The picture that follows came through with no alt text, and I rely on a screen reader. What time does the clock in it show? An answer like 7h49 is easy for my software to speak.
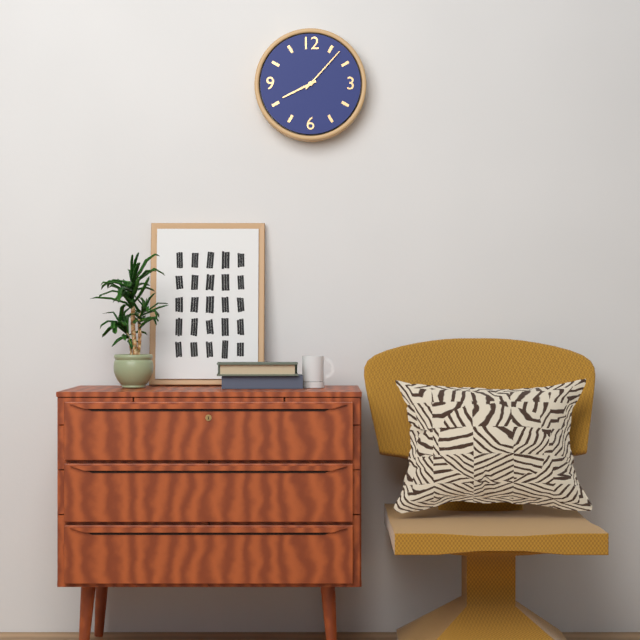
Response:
8h07
